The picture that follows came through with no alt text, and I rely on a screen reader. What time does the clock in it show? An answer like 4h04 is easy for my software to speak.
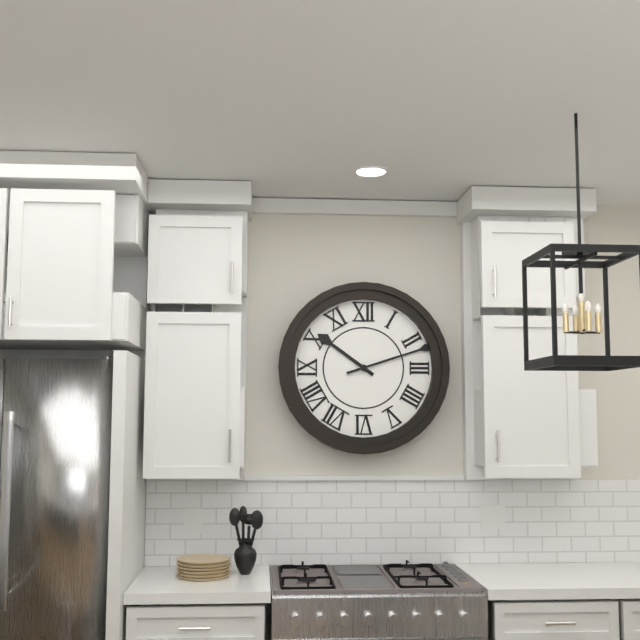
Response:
10h12
